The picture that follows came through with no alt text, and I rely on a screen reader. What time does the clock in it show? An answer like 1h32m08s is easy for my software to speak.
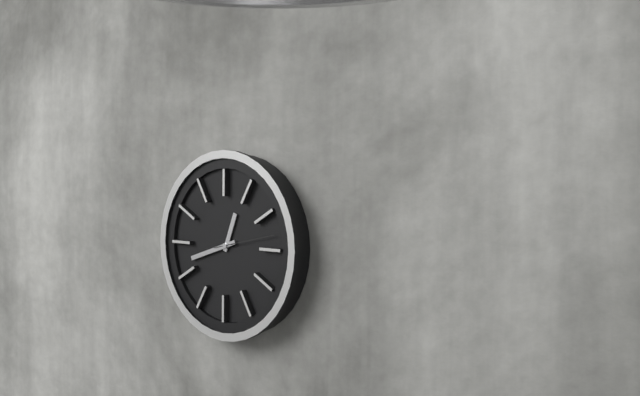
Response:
12h42m13s
